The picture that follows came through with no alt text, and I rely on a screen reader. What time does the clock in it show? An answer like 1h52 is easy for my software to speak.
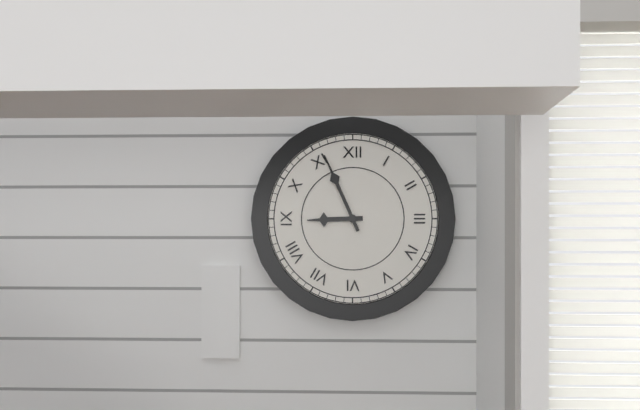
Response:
8h56
